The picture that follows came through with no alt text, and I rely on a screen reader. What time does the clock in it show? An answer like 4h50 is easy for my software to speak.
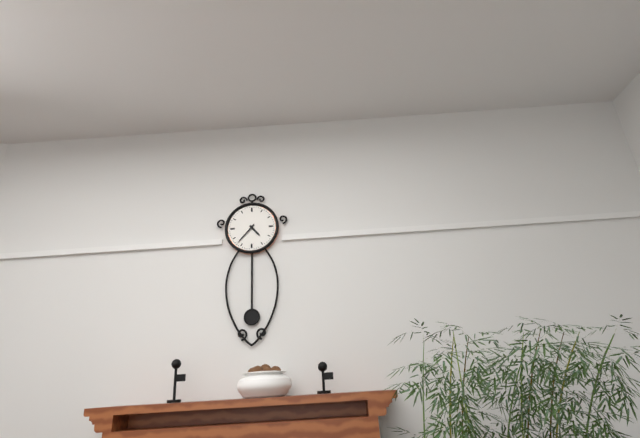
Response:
4h37
